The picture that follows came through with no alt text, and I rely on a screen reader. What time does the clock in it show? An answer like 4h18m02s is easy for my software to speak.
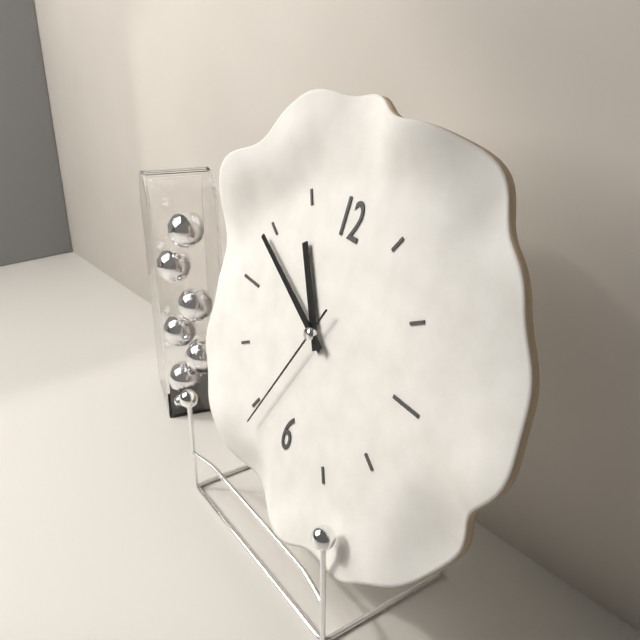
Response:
10h49m34s
